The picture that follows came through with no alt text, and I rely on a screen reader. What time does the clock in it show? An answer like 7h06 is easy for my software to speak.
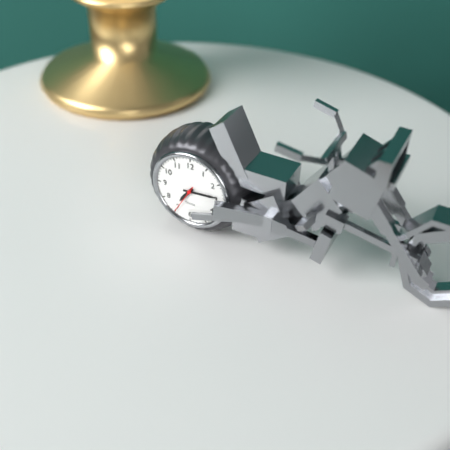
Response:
7h14
